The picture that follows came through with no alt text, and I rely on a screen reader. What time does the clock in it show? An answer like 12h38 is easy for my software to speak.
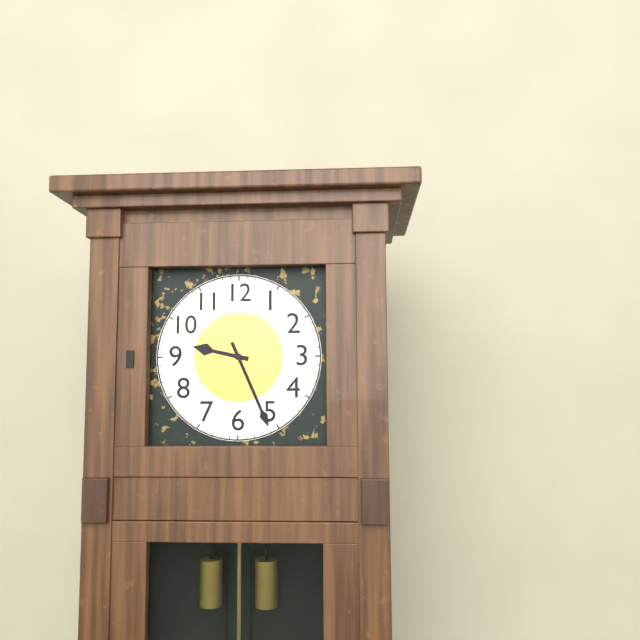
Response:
9h26
